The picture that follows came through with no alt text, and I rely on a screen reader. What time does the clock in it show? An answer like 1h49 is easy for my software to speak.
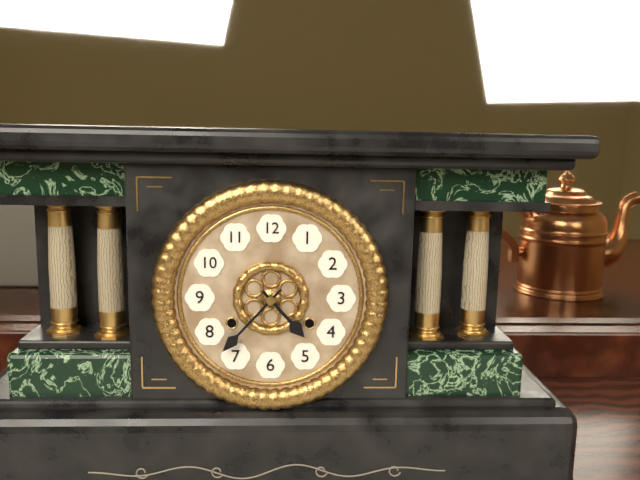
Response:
4h37
